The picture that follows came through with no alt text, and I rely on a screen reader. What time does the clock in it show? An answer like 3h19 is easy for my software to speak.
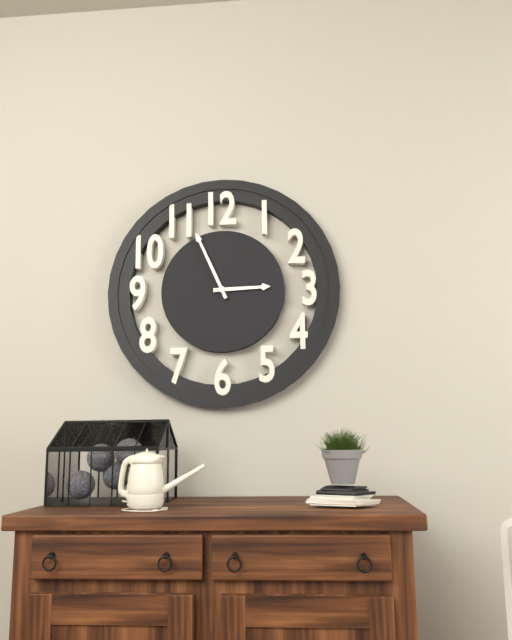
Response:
2h56
